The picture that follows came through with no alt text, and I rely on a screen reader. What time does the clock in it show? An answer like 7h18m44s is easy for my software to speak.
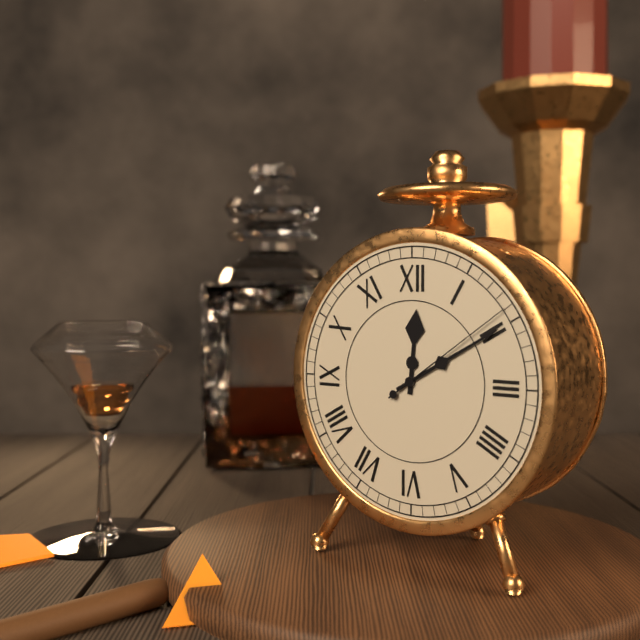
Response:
12h10m09s
